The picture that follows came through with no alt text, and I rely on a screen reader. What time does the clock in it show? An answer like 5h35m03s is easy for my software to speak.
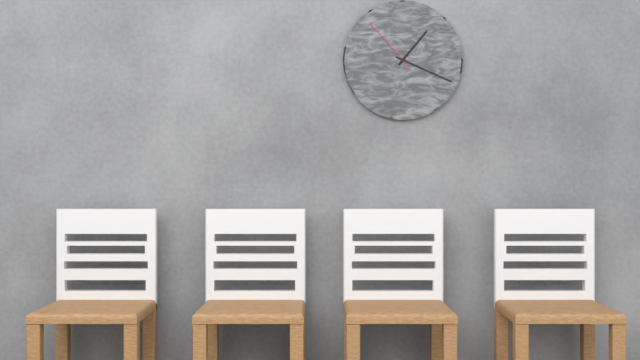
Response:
1h19m53s
